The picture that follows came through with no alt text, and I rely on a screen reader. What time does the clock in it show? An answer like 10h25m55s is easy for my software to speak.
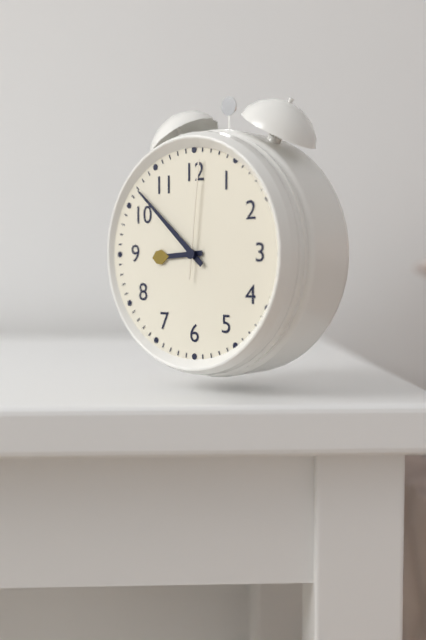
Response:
8h52m01s
